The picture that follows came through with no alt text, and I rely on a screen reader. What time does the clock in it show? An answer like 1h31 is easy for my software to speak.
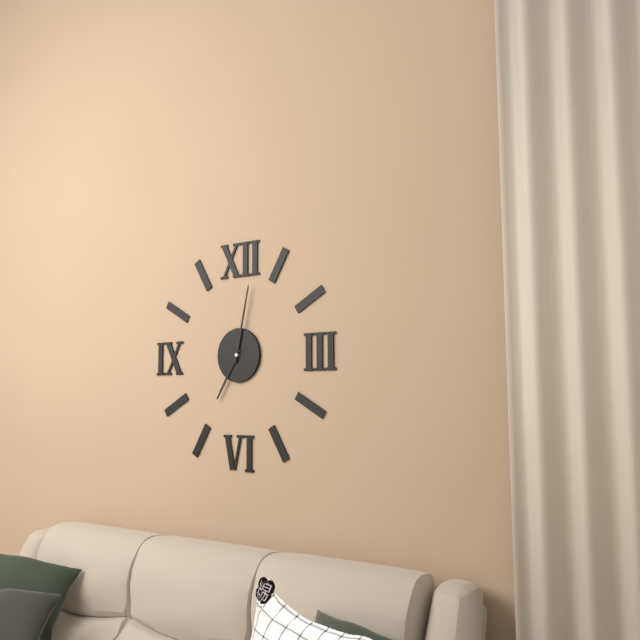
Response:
7h02
